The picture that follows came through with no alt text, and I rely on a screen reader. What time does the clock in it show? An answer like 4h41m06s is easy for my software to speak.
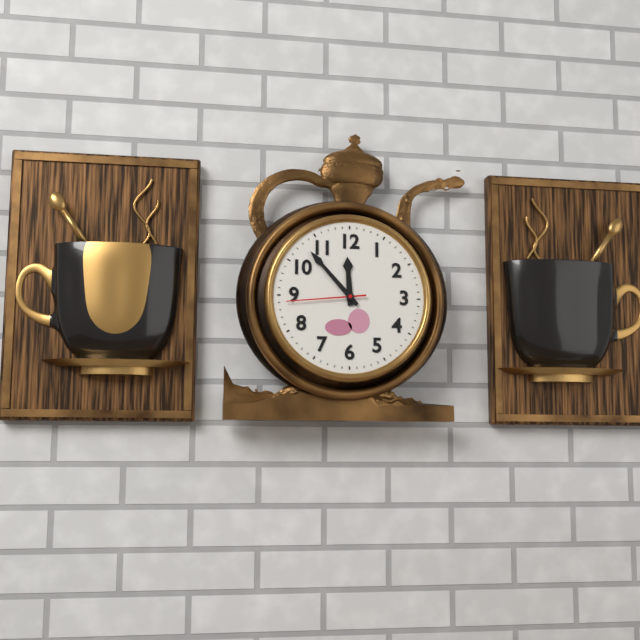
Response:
11h53m44s
